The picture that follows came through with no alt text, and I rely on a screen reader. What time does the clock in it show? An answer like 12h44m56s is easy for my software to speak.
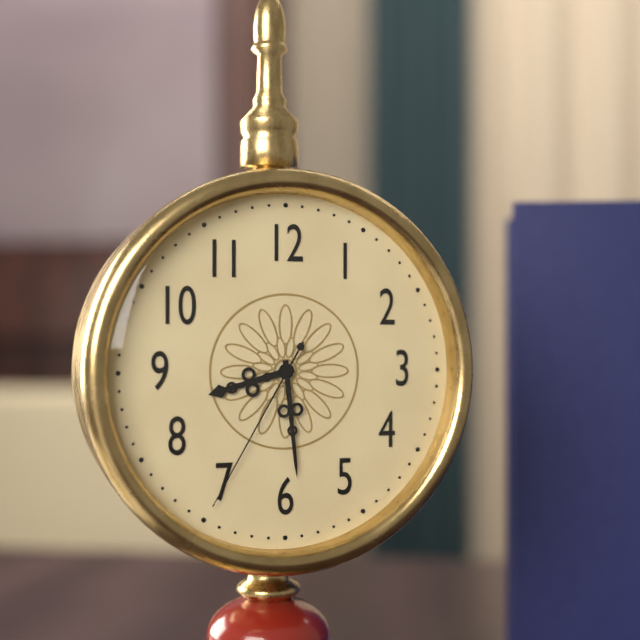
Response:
8h29m35s
